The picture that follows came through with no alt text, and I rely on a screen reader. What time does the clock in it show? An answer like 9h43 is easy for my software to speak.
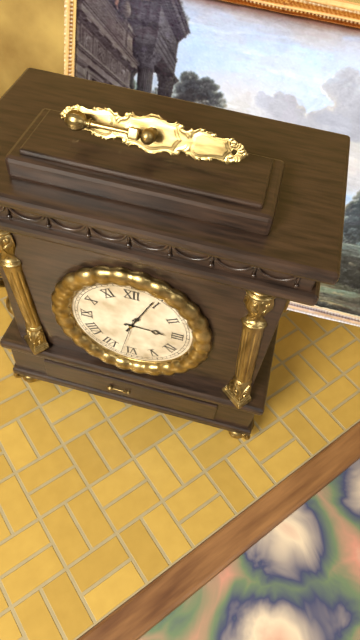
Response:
3h04
